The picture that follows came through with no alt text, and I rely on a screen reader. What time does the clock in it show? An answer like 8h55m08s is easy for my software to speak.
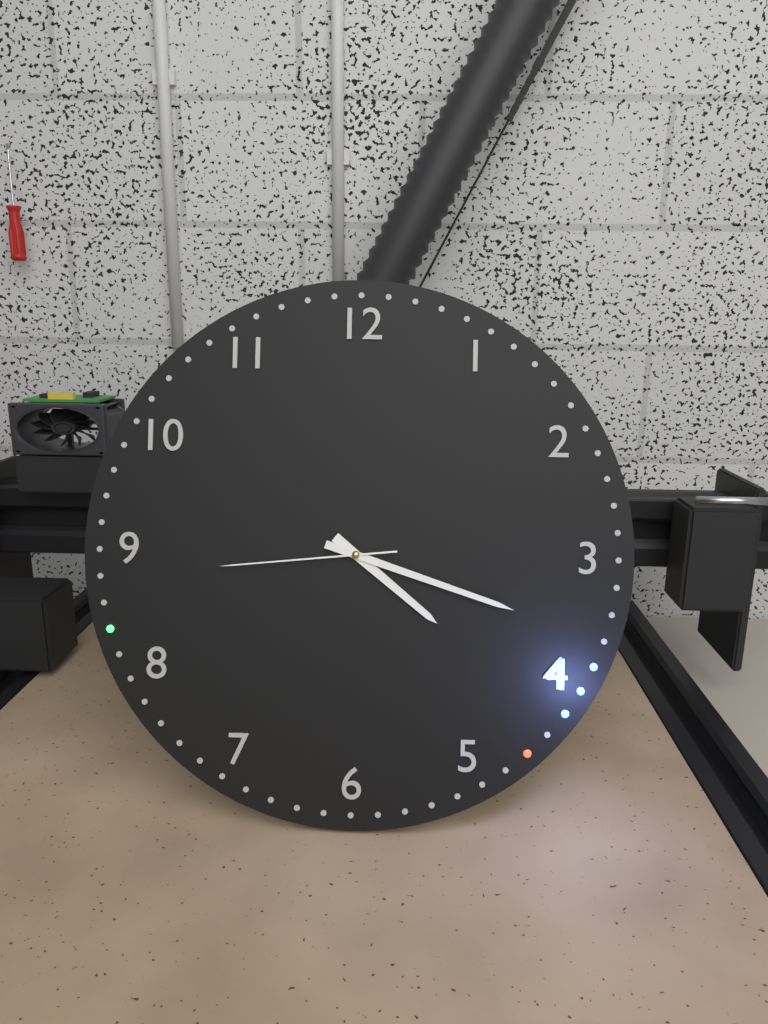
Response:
4h18m44s
